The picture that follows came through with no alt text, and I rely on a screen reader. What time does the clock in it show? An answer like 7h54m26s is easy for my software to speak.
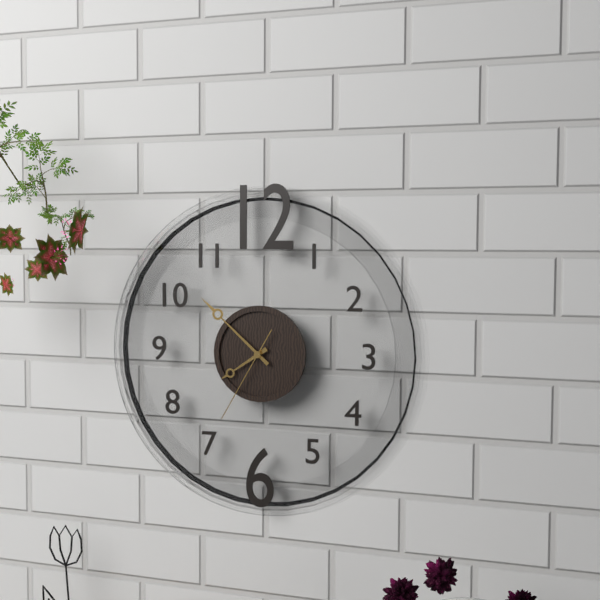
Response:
7h52m35s
